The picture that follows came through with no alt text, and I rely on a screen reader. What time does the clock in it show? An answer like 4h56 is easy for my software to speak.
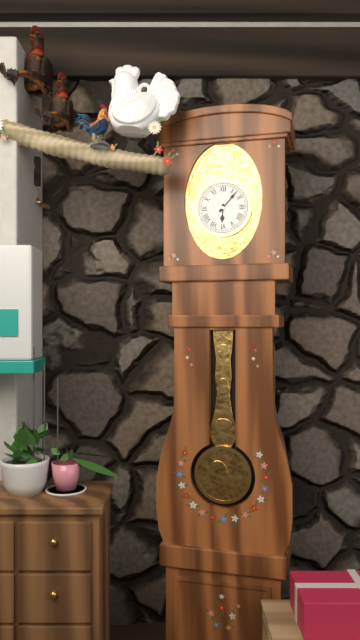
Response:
6h07
